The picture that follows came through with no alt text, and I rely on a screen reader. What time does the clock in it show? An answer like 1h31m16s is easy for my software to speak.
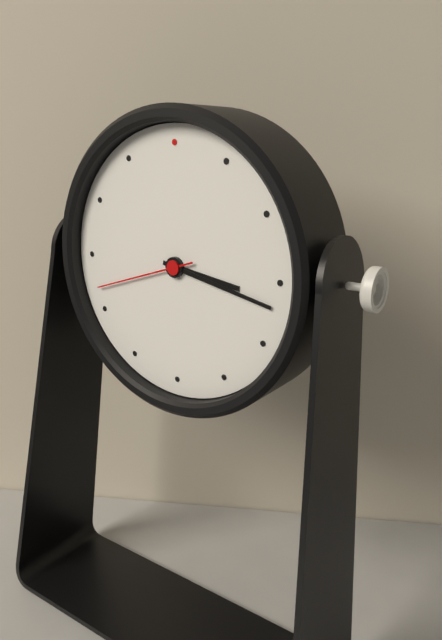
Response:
3h17m42s
